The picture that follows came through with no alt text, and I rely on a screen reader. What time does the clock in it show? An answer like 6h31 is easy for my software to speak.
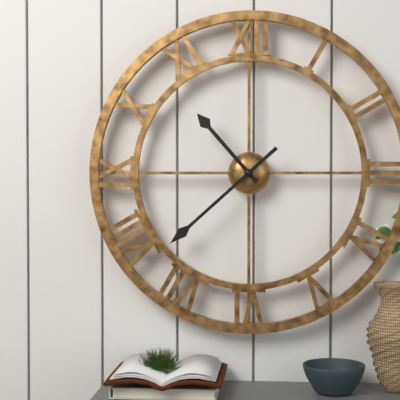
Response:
10h38
